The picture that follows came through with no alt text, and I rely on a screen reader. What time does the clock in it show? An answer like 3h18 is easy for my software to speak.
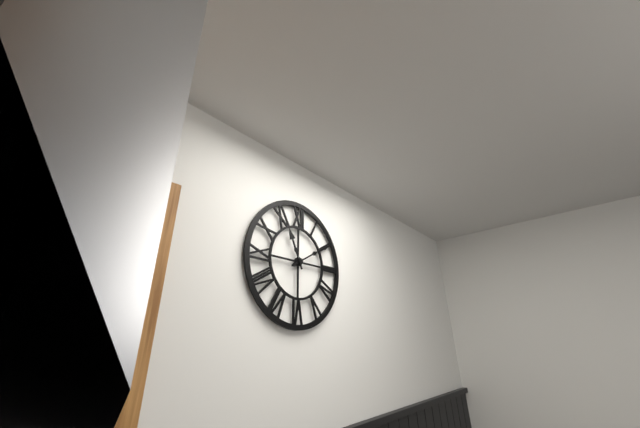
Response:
11h10
